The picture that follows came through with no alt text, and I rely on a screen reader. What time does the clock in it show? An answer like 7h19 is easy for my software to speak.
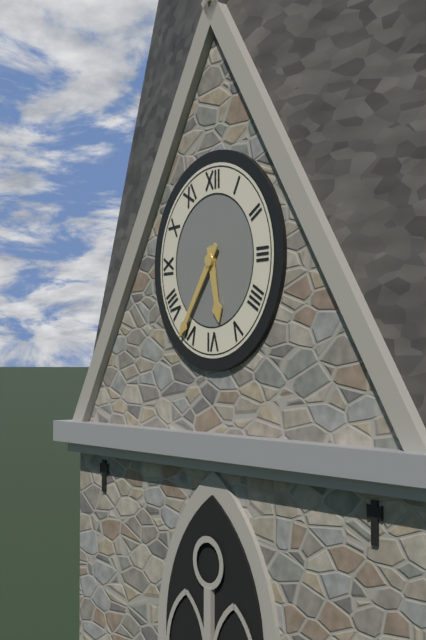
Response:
5h36
